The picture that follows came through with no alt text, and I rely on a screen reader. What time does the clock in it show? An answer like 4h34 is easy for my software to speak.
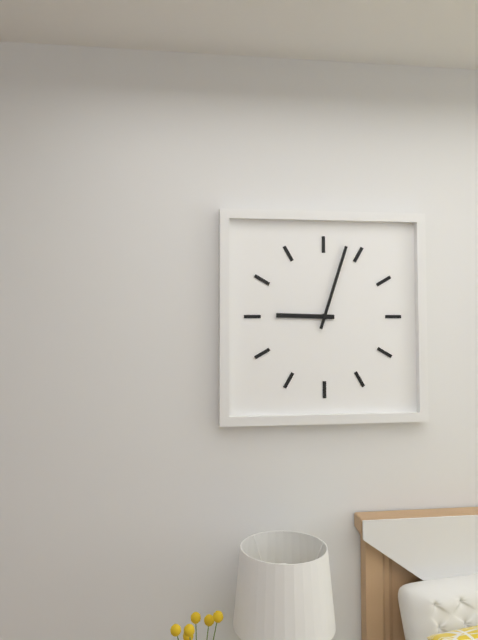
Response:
9h03
